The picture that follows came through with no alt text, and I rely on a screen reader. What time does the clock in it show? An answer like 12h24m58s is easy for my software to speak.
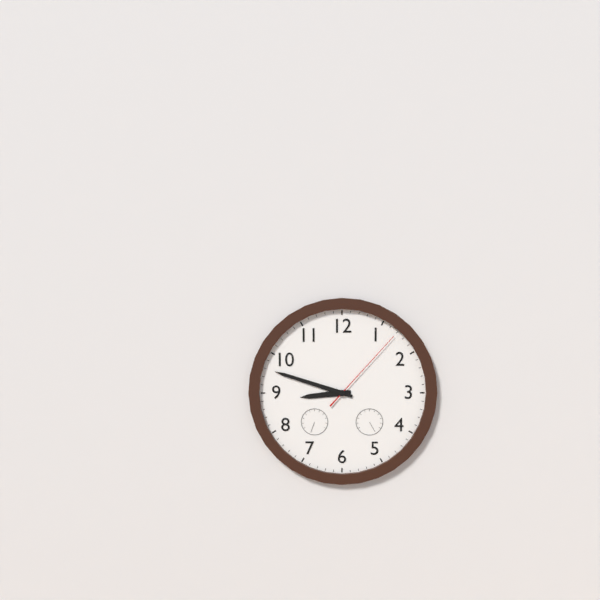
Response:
8h48m07s
